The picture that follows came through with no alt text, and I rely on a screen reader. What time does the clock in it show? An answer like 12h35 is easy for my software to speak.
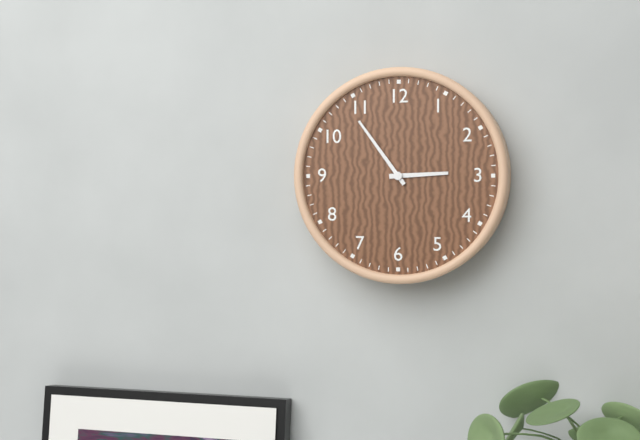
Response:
2h54
